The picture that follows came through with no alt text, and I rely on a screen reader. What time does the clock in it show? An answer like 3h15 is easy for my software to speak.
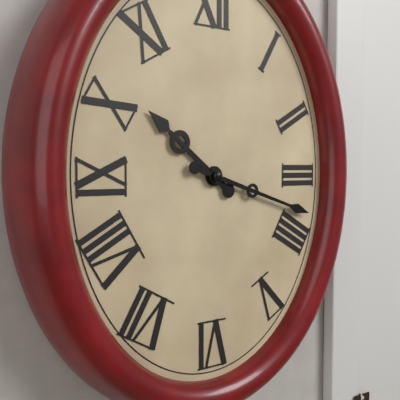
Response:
10h18
